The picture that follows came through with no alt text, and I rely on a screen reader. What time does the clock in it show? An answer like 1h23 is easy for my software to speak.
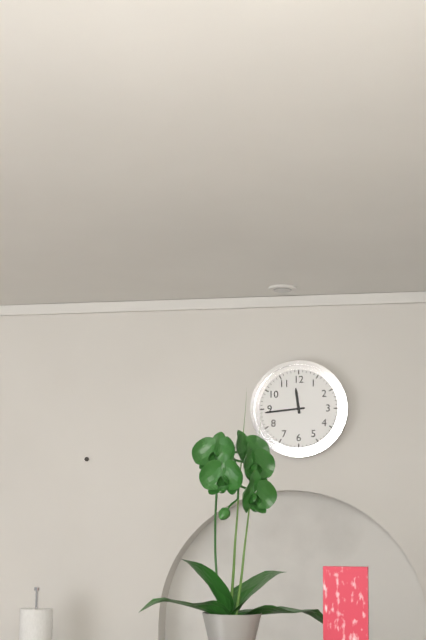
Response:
11h44
